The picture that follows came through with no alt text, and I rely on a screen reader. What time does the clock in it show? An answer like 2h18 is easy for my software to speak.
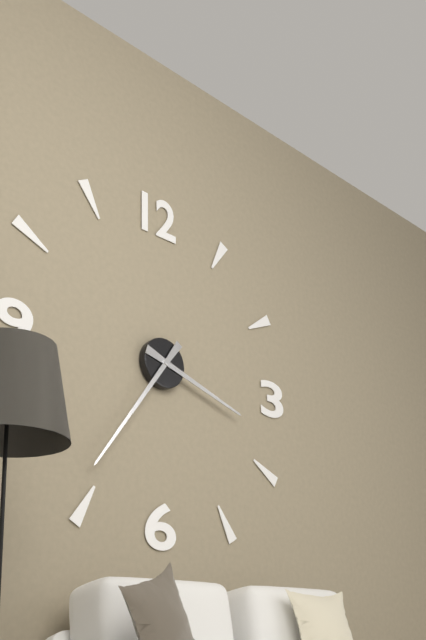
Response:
3h36
